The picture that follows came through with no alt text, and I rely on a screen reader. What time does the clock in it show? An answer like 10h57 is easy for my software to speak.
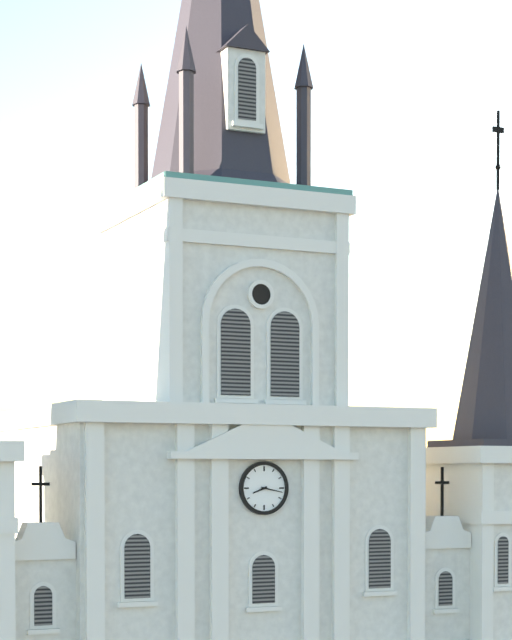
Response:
8h17
